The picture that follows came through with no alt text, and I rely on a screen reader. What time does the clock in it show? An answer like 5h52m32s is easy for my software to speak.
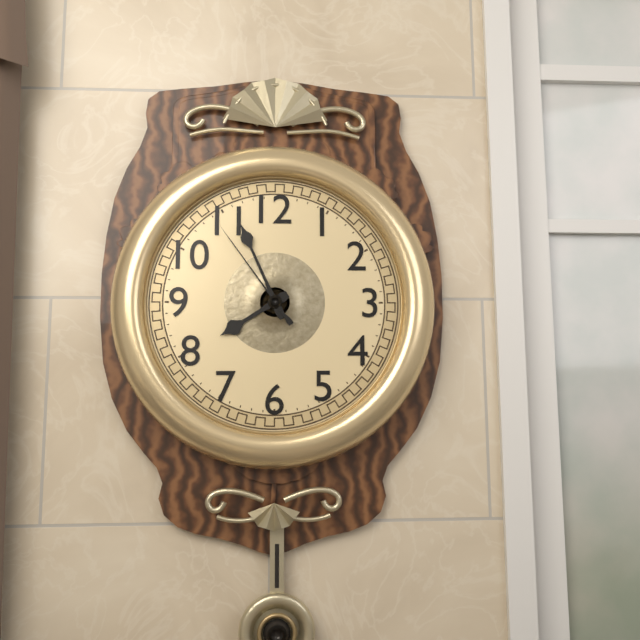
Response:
7h56m54s
